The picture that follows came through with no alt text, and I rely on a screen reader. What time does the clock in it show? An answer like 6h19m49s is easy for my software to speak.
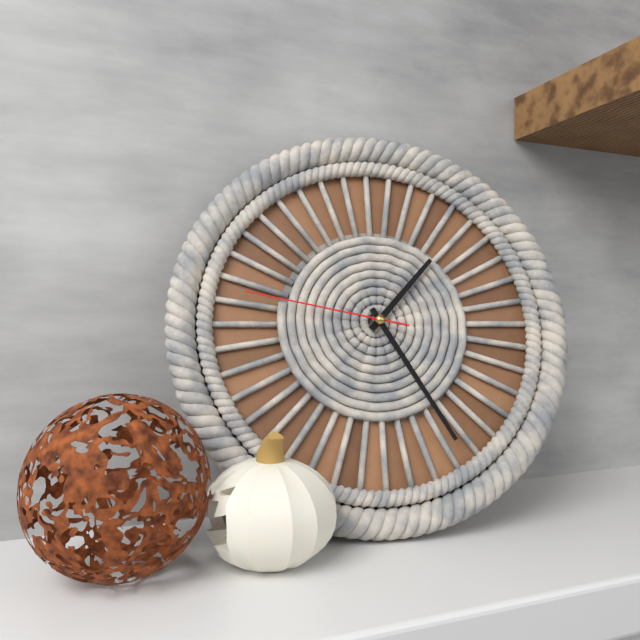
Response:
1h25m47s
